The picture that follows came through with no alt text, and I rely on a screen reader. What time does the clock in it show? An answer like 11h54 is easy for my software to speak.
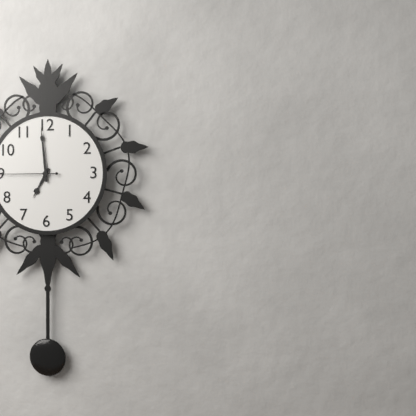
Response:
6h59
